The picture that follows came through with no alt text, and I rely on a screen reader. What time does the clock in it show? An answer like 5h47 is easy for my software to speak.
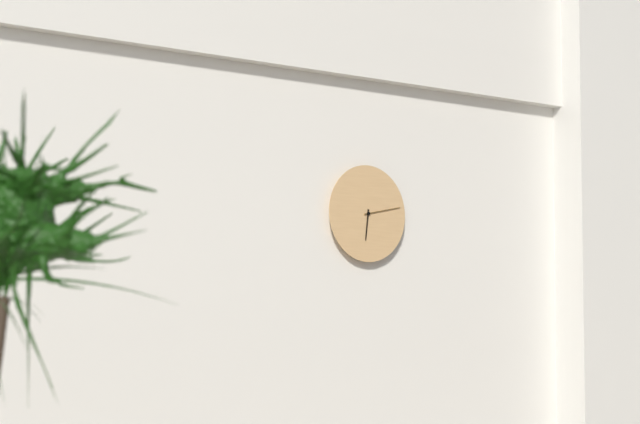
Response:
6h13
